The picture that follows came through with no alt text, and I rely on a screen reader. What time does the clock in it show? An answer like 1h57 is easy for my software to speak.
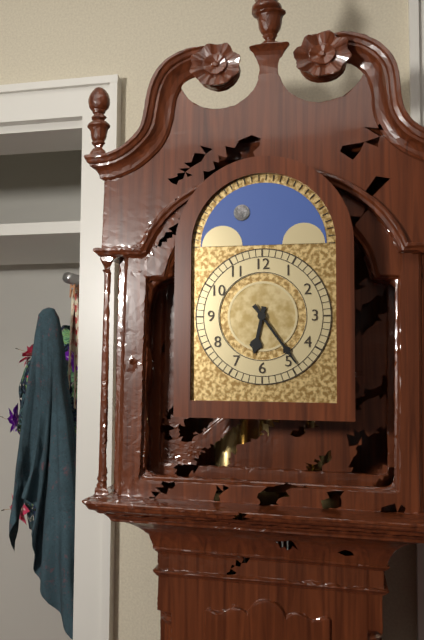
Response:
6h24
